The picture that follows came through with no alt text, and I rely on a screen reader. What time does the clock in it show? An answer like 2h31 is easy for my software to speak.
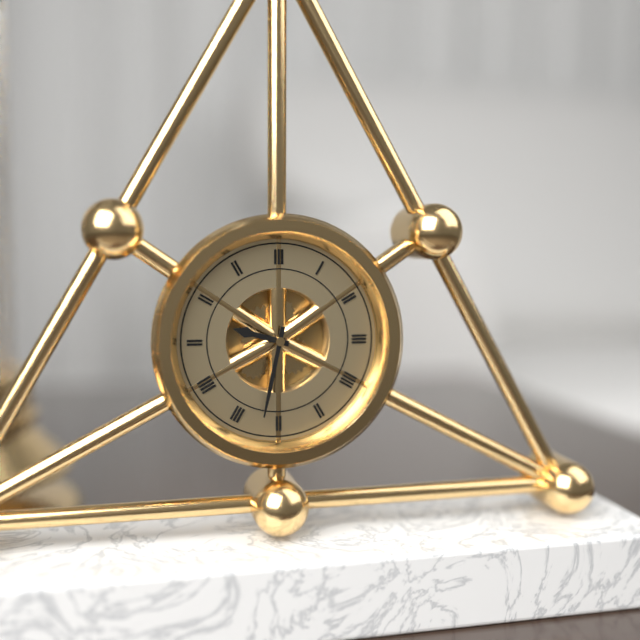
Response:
9h32
